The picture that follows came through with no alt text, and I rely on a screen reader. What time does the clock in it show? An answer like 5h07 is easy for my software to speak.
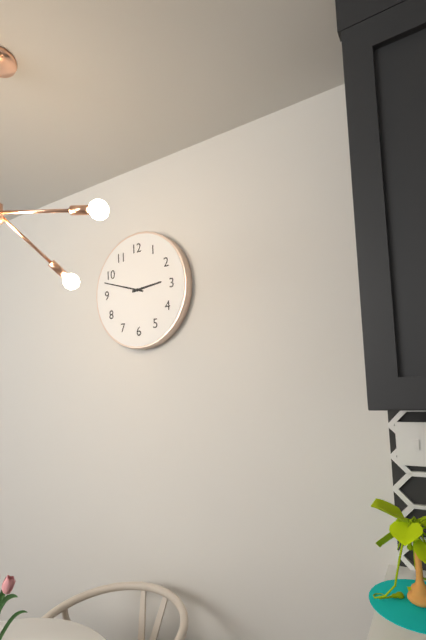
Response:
2h48
